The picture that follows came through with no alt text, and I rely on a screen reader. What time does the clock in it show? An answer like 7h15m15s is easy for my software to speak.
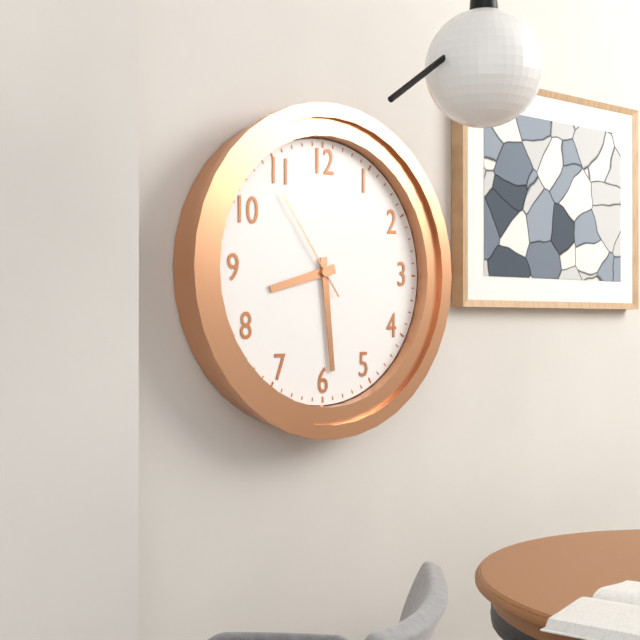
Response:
8h29m54s
